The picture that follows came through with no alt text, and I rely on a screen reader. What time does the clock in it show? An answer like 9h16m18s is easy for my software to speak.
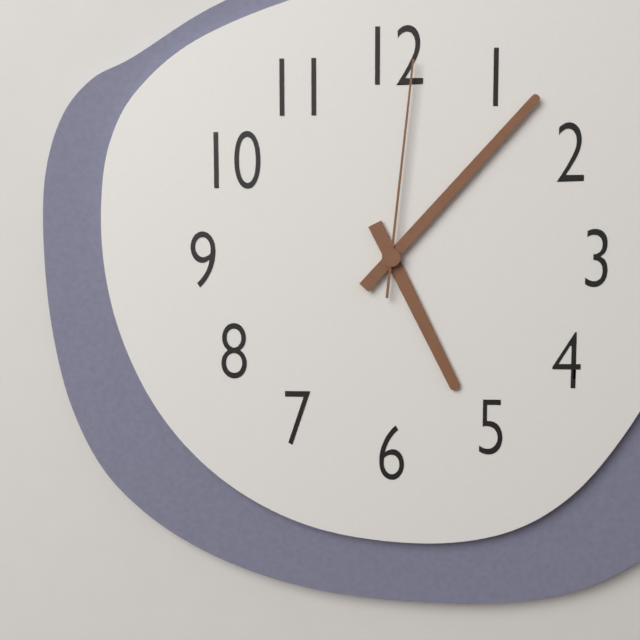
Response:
5h07m01s
